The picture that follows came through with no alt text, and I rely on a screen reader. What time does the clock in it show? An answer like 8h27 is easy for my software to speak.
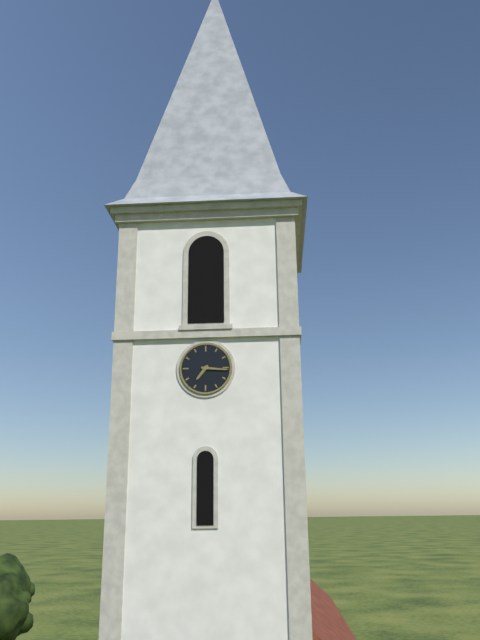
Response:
7h16
